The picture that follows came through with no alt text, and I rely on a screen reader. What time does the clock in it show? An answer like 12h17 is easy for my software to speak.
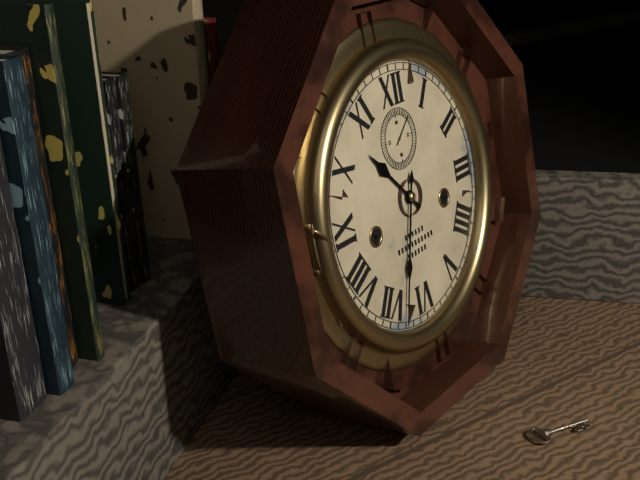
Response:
10h33
